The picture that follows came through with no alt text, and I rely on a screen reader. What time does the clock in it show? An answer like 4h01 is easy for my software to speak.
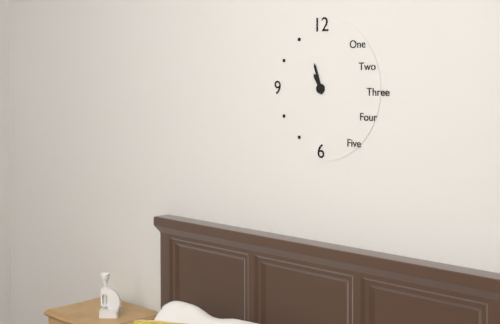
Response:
10h57
